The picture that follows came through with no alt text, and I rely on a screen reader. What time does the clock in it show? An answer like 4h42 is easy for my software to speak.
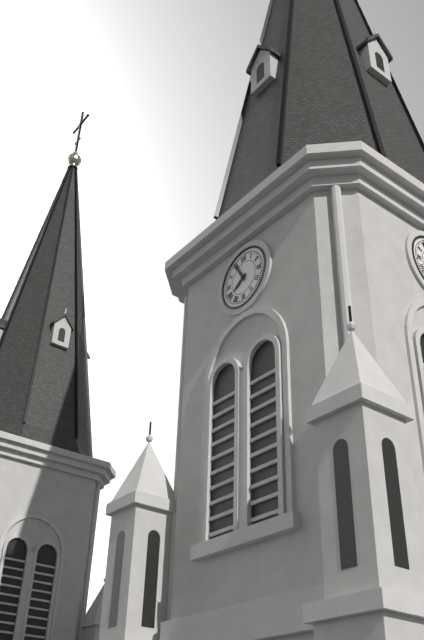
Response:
7h55
